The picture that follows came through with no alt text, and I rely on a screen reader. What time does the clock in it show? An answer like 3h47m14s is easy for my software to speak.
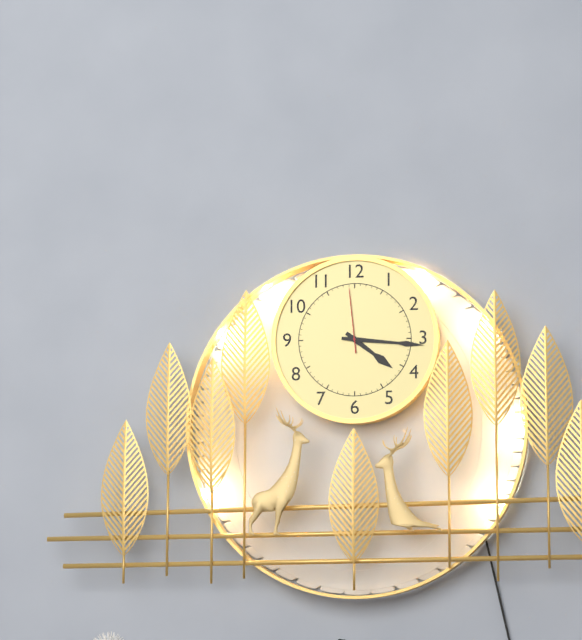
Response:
4h16m59s
